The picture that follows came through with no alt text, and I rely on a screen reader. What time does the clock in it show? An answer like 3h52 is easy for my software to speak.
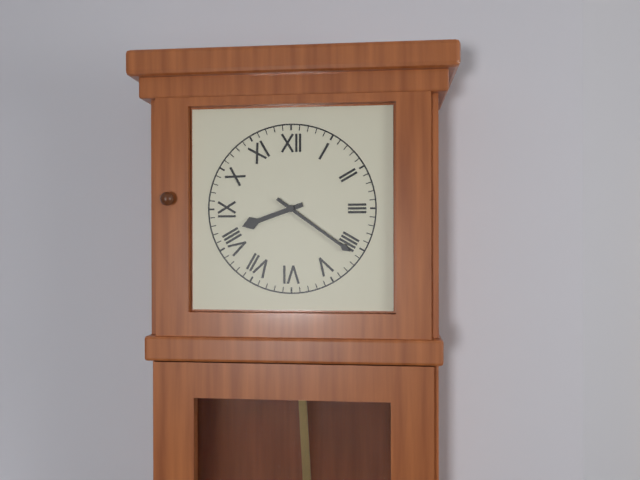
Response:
8h21
